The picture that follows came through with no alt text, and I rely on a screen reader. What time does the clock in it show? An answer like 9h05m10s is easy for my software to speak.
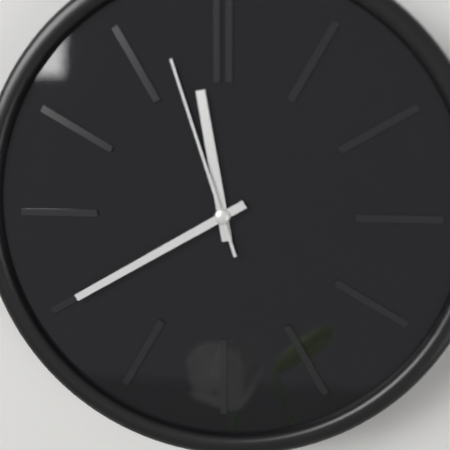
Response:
11h40m57s
